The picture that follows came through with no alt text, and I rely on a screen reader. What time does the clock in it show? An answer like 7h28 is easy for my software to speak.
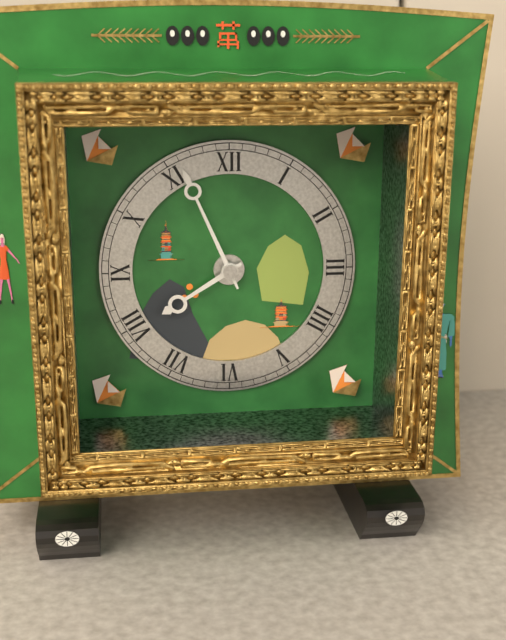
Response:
7h56
